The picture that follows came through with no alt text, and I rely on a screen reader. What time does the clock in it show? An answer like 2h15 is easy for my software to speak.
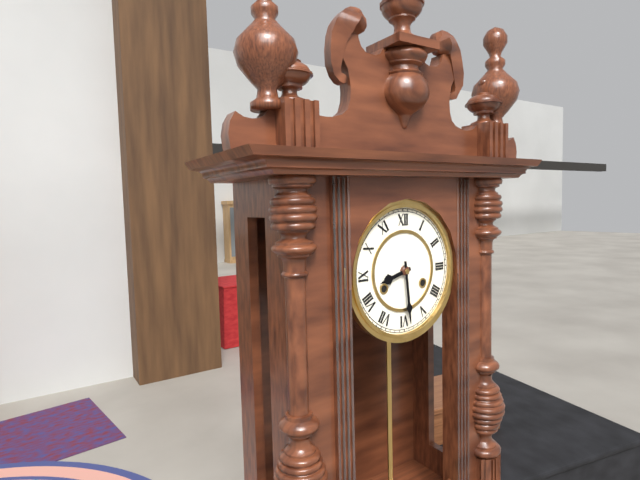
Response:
8h29
